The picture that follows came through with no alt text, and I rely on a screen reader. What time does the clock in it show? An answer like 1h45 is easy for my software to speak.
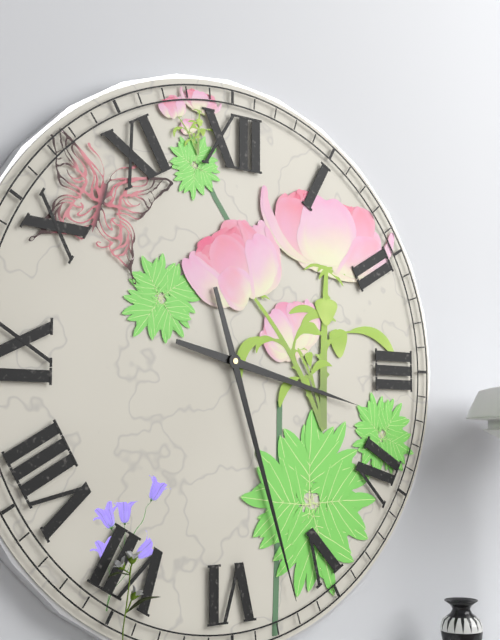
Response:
3h27
